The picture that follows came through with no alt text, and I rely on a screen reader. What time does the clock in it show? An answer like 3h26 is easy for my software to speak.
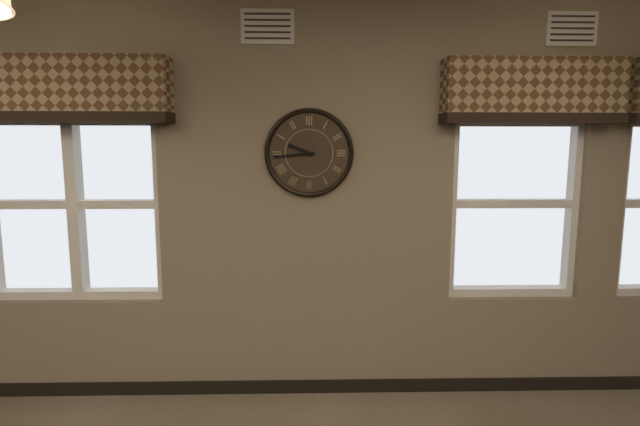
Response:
9h44
